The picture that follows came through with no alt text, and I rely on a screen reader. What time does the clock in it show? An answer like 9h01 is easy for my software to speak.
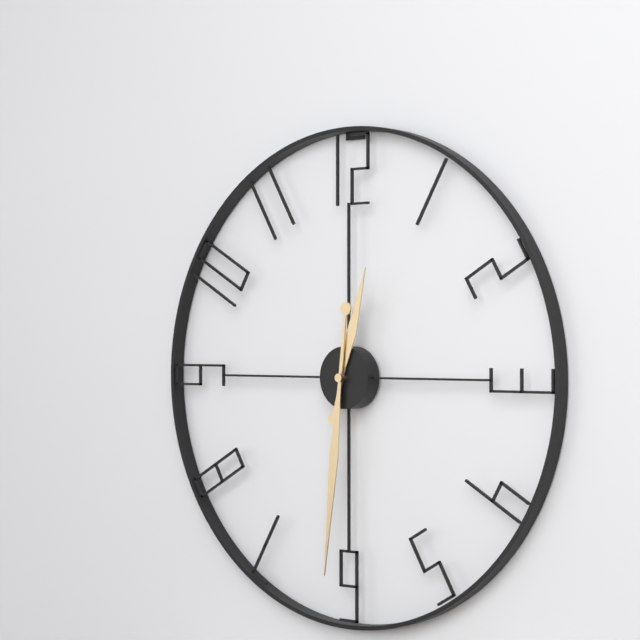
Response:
12h31
